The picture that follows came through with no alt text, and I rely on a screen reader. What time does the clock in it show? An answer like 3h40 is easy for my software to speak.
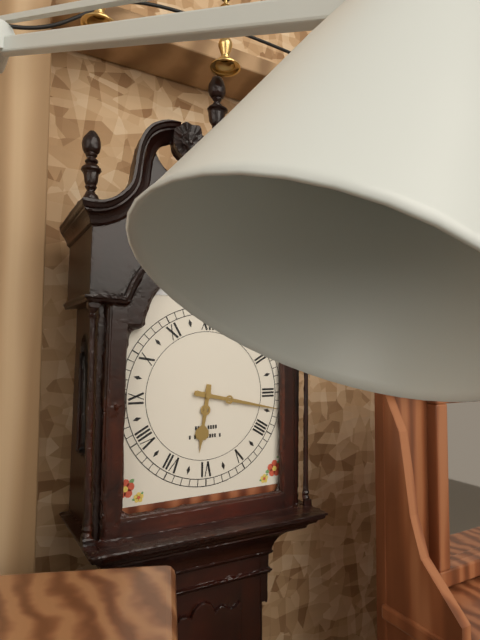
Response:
6h17
